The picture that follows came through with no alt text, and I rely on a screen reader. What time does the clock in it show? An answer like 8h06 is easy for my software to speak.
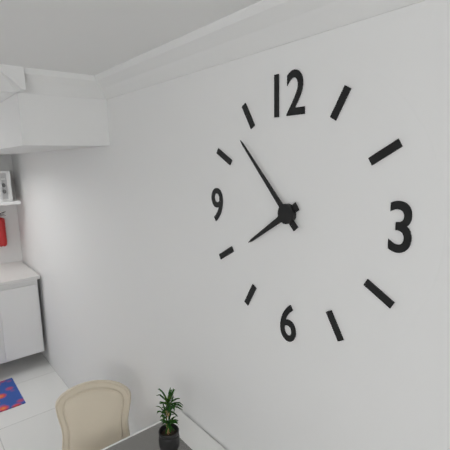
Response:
7h53
